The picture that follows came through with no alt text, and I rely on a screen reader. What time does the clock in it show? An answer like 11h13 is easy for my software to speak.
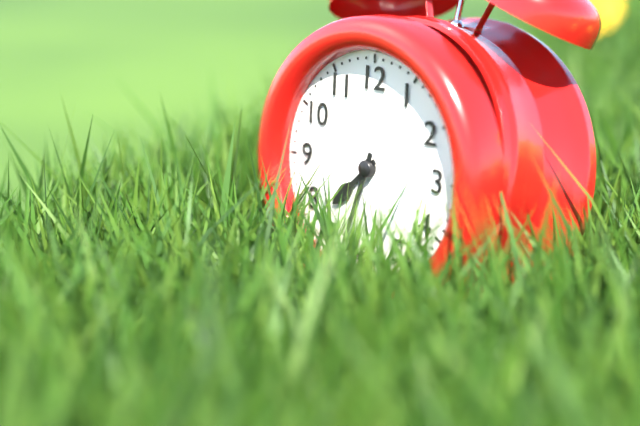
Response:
7h33
